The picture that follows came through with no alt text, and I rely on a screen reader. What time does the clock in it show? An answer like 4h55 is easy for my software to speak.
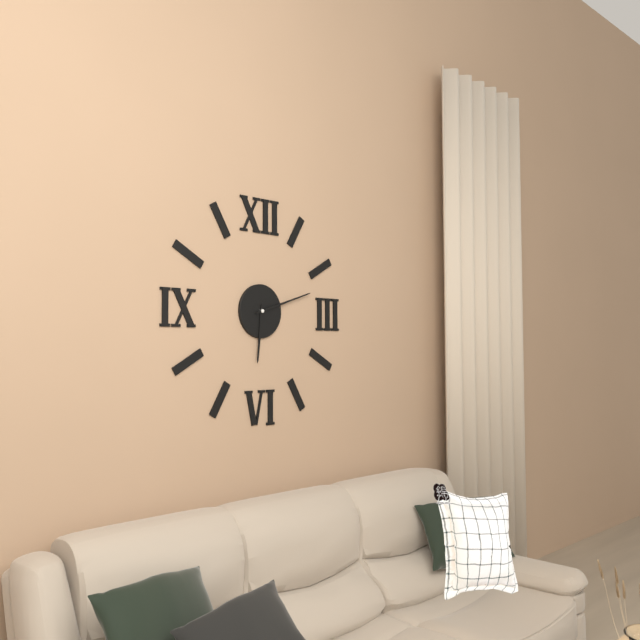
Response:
6h12
